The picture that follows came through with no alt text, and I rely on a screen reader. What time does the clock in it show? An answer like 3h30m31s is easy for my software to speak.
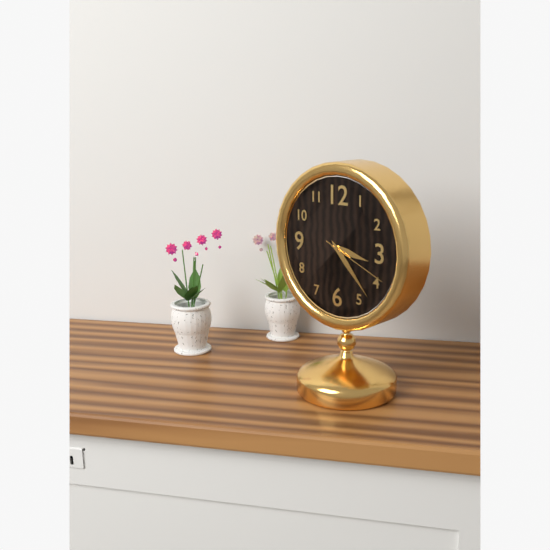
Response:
3h23m19s
